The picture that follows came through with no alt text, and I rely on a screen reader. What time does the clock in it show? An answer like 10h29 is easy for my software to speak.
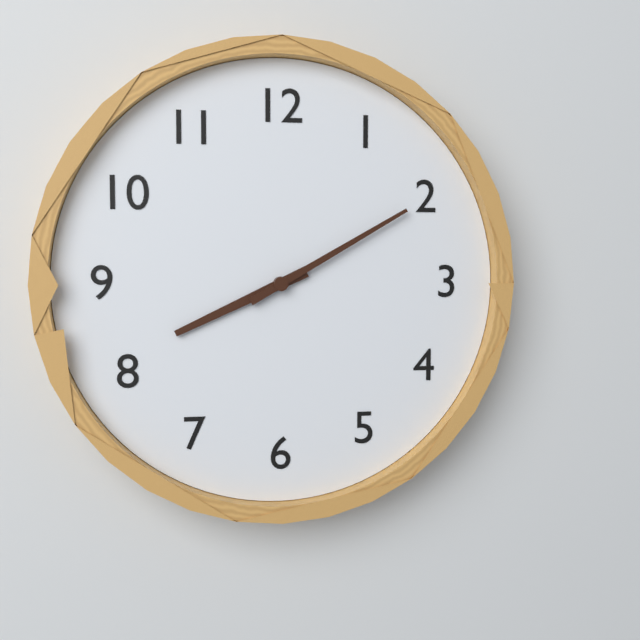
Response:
8h10
